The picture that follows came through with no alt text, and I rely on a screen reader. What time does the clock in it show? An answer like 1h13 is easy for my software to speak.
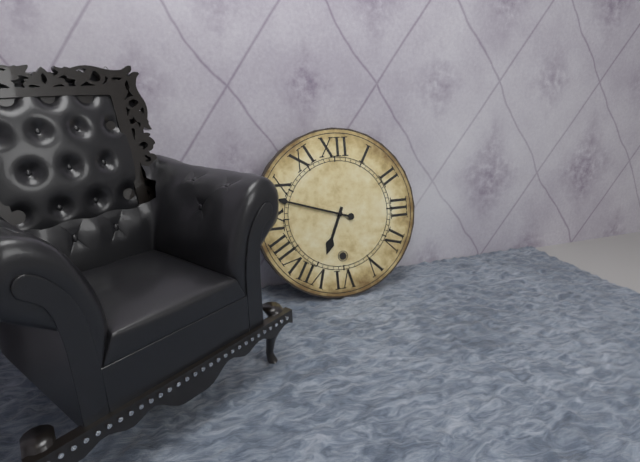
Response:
6h48
